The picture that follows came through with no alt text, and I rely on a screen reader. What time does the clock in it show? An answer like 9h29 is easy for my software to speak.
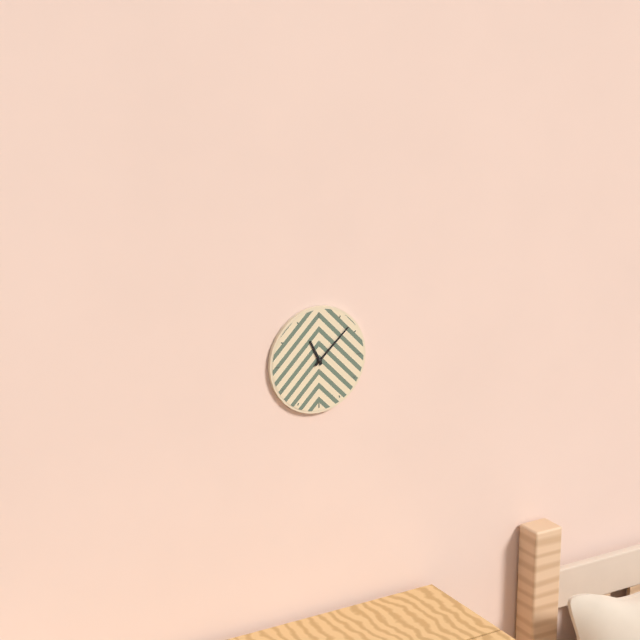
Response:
11h08
